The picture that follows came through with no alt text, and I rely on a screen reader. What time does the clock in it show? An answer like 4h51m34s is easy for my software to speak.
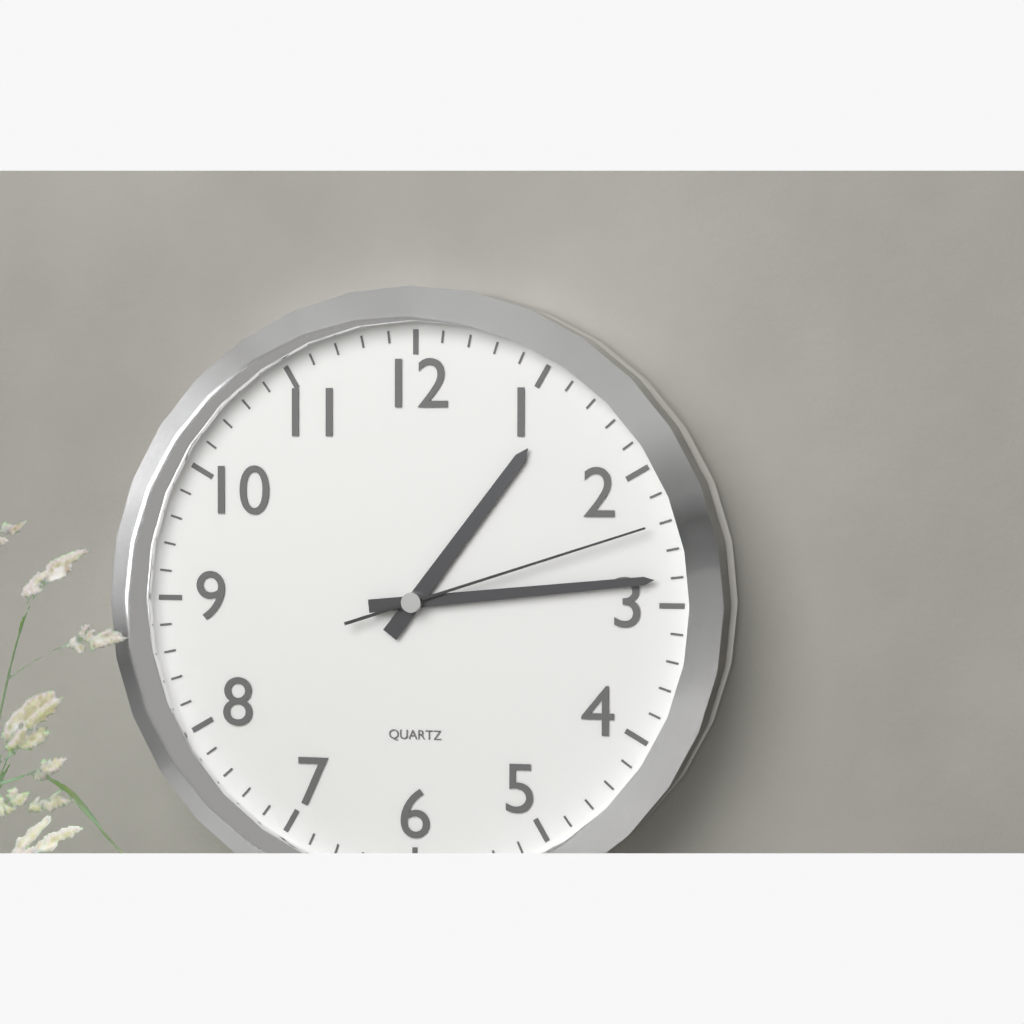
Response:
1h14m12s
